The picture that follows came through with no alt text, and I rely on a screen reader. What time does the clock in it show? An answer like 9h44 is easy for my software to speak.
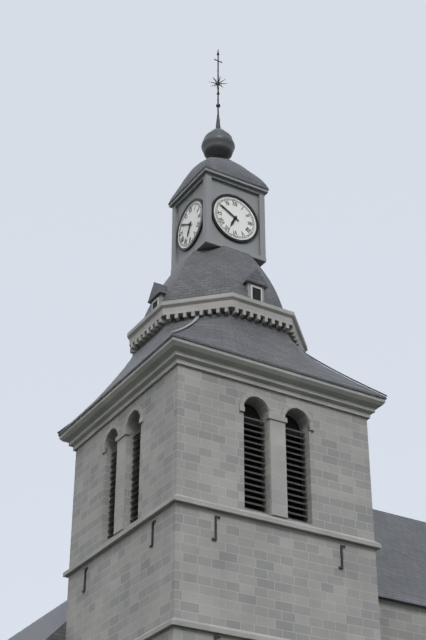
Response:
6h50
